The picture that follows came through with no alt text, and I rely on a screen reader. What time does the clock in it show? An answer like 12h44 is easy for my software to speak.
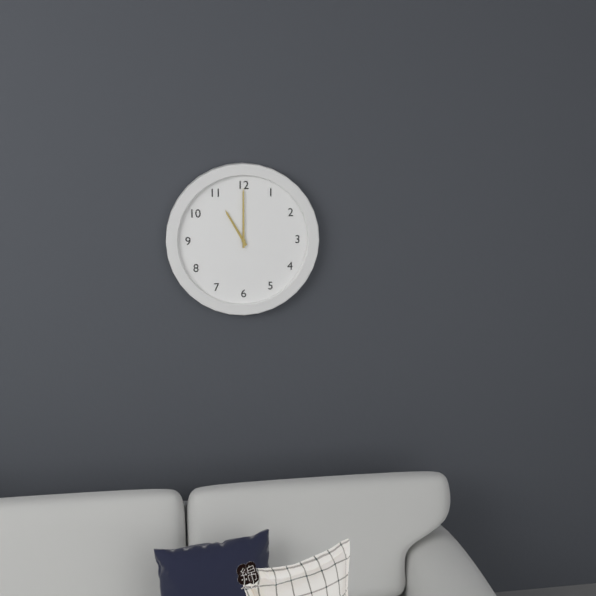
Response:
11h00
